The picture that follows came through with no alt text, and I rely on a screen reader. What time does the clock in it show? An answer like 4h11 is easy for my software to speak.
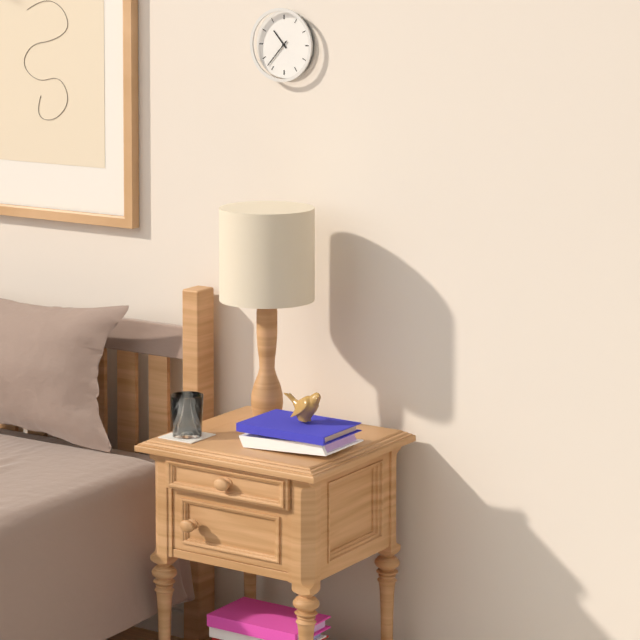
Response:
10h37
